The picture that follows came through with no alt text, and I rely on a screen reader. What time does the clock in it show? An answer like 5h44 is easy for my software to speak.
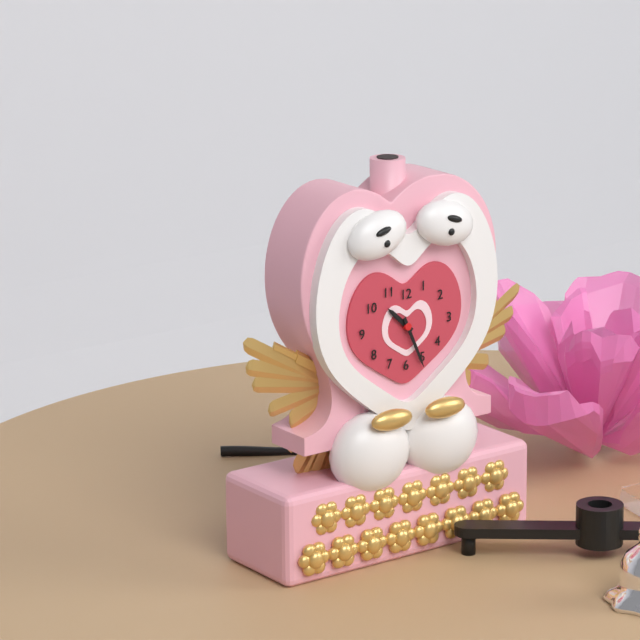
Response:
10h26
